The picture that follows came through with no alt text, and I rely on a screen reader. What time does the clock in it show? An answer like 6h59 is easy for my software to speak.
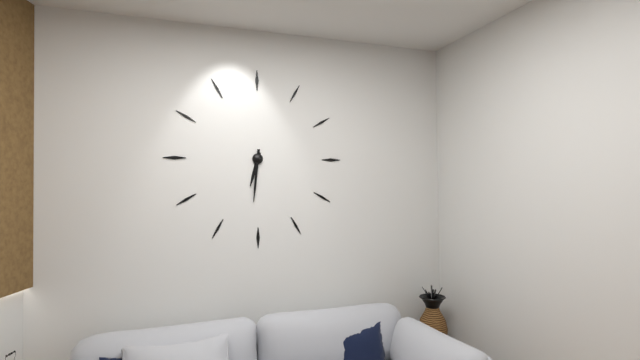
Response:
6h31
